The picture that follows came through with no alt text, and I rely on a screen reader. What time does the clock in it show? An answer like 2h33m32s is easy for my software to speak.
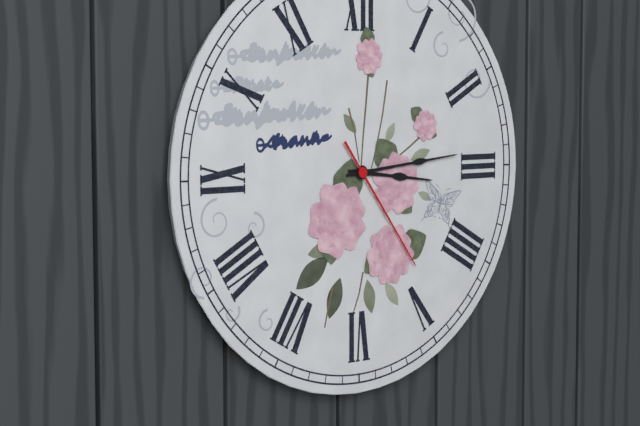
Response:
3h14m24s
